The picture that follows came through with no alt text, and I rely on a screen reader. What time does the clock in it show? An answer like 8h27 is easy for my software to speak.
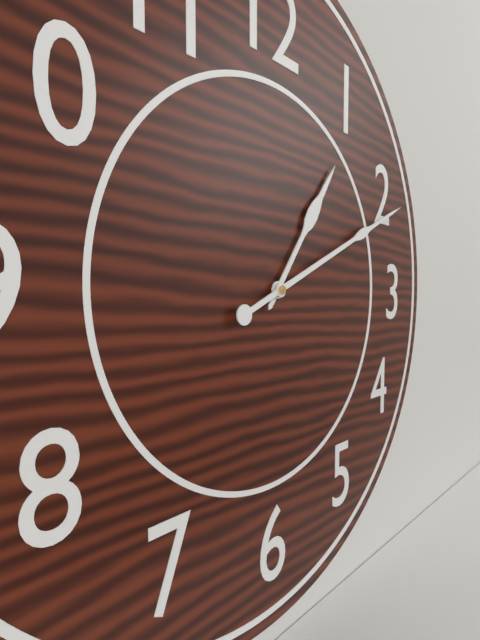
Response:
1h11
